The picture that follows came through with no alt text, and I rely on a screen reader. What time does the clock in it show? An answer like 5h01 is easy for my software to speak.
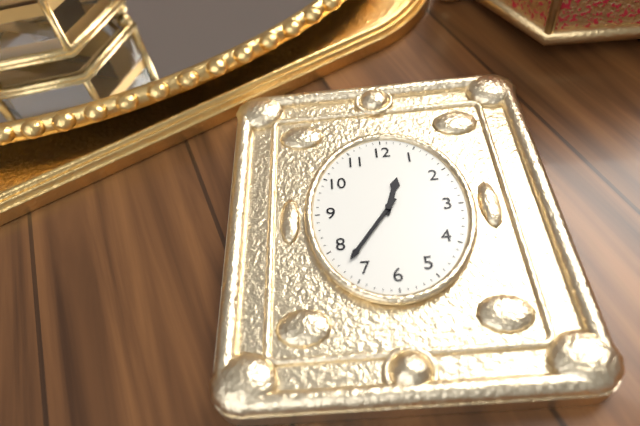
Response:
12h36
